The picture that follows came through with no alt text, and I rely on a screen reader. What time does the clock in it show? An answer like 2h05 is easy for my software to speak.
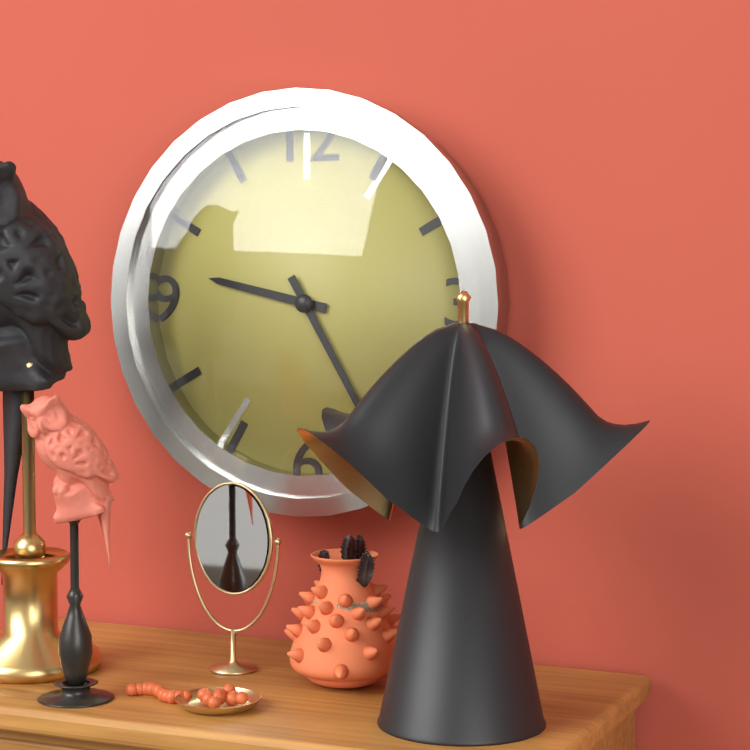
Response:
9h25
